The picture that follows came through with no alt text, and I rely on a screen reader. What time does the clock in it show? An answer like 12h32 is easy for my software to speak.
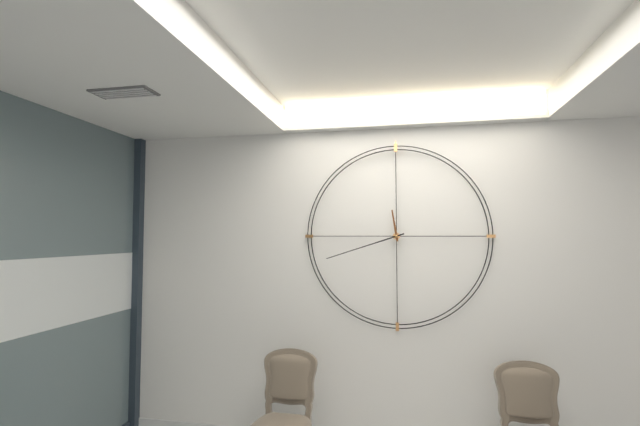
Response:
11h42
